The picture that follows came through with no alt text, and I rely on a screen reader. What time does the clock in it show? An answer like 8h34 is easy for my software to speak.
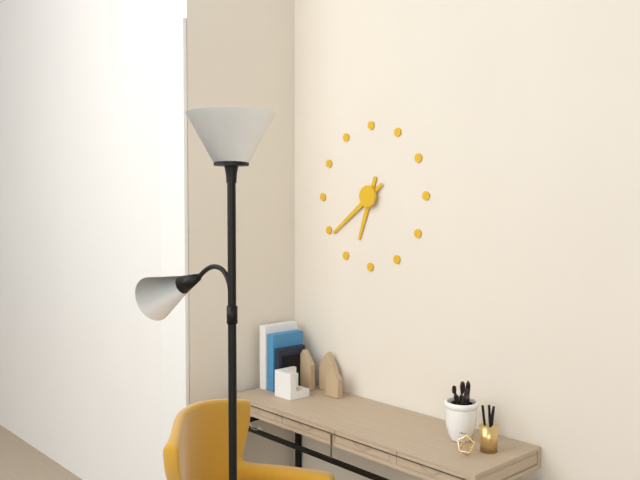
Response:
6h39
